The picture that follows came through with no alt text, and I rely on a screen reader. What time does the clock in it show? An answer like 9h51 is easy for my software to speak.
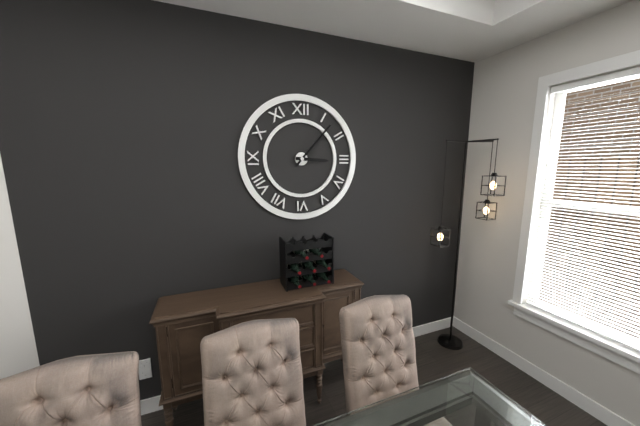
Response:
3h07
